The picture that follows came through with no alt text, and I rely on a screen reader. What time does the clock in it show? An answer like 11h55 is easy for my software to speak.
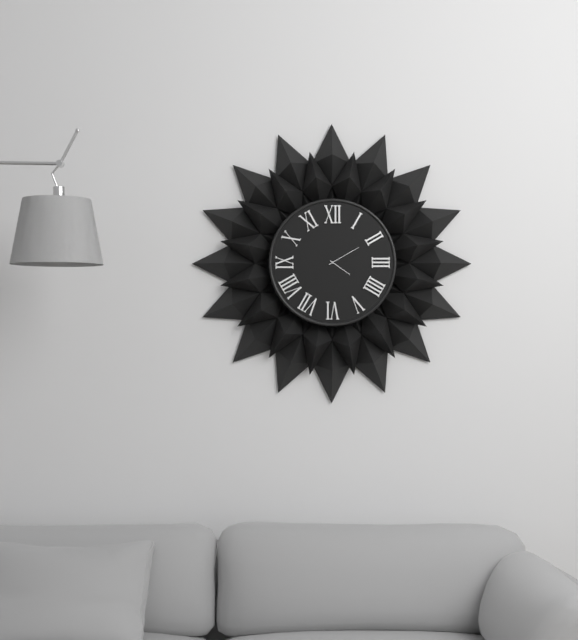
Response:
4h10
